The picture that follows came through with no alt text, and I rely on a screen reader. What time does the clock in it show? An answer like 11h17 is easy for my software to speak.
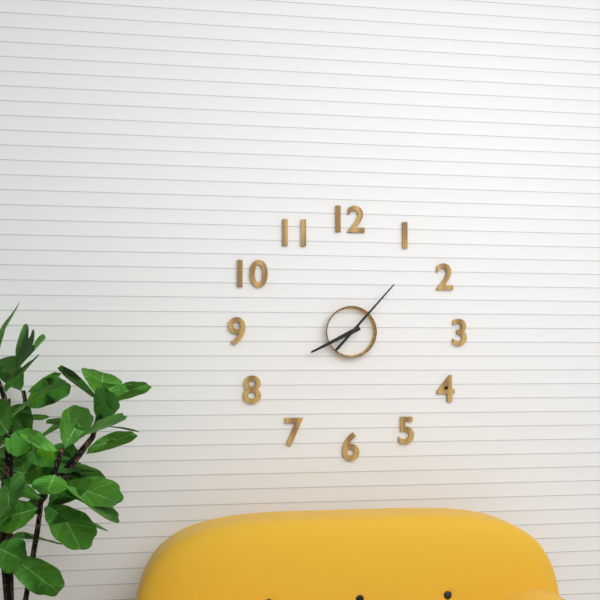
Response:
8h07
